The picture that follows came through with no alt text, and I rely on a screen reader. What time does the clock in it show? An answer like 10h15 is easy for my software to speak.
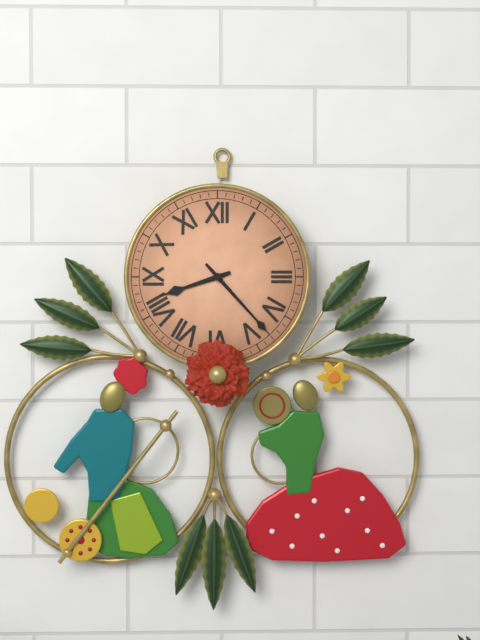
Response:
8h23
